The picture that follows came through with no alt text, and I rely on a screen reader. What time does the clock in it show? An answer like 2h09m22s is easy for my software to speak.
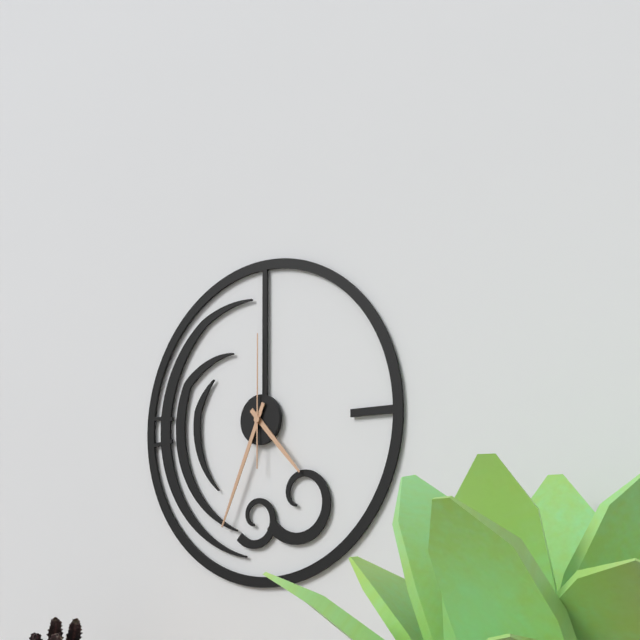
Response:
4h34m00s
